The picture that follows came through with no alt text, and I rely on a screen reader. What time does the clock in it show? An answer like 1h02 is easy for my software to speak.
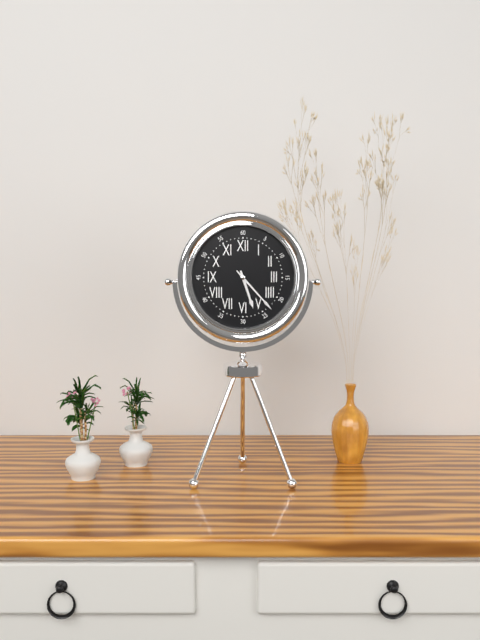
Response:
5h23
